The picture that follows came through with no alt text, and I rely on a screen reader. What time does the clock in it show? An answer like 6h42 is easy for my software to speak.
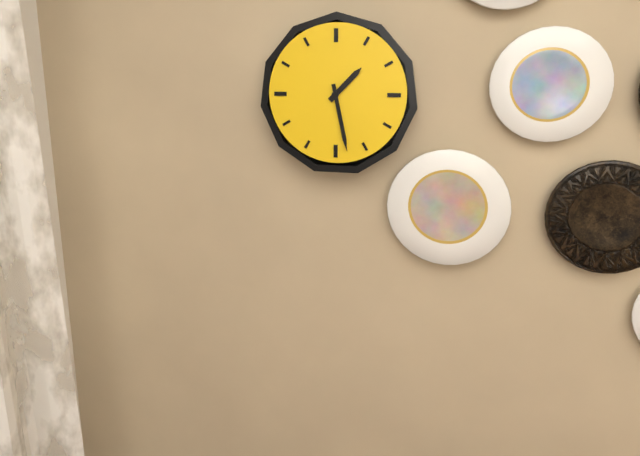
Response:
1h28
